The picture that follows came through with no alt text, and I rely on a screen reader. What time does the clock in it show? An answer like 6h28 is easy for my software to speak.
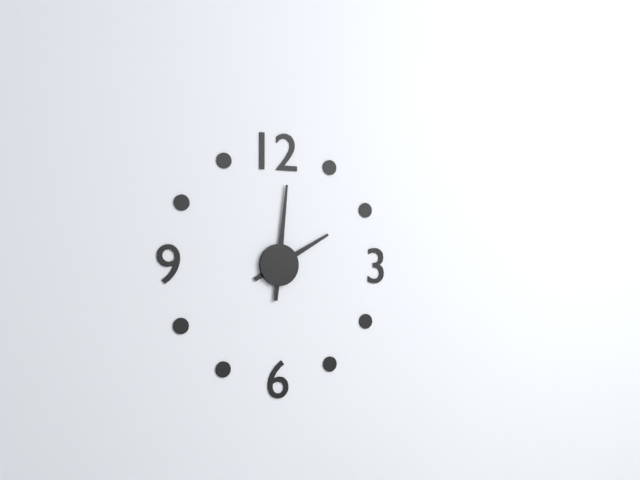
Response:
2h01
